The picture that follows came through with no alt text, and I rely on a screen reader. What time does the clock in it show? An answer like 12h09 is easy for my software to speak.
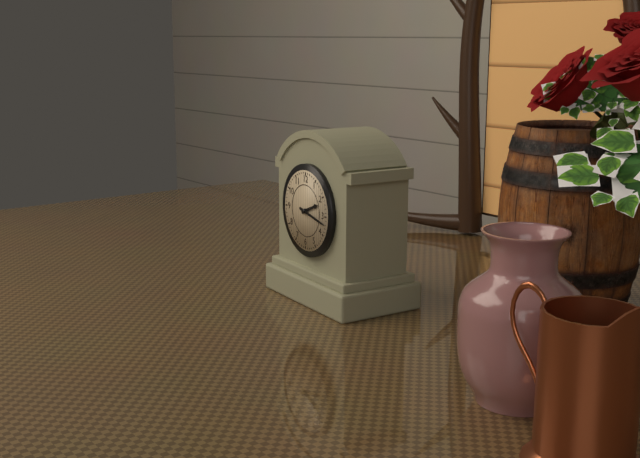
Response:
2h17
